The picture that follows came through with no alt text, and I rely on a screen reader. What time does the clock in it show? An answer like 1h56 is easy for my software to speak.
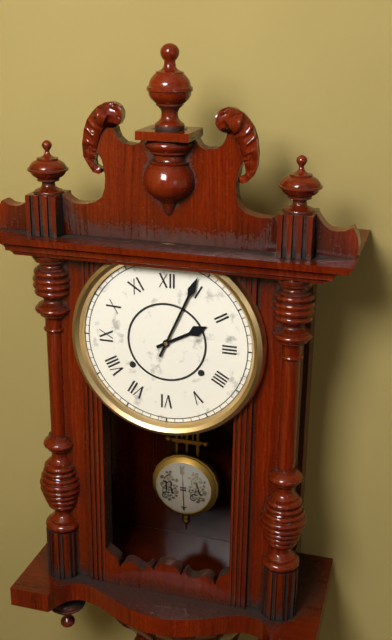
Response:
2h04
